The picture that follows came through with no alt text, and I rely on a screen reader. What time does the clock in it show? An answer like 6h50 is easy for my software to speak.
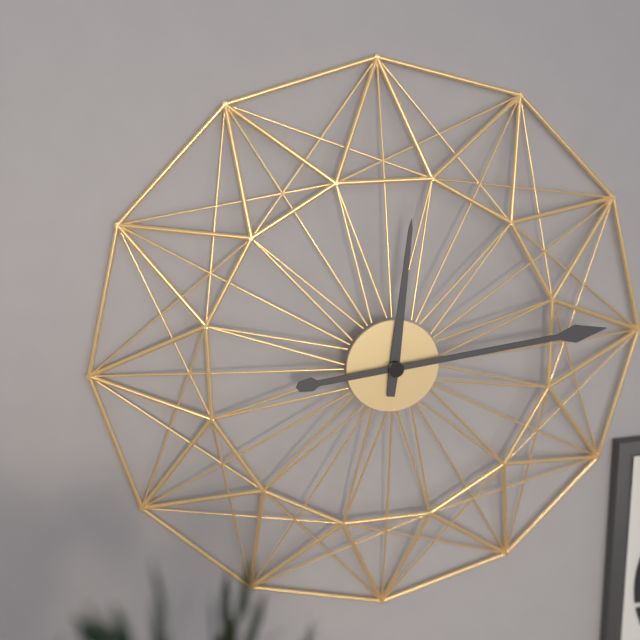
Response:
12h14
